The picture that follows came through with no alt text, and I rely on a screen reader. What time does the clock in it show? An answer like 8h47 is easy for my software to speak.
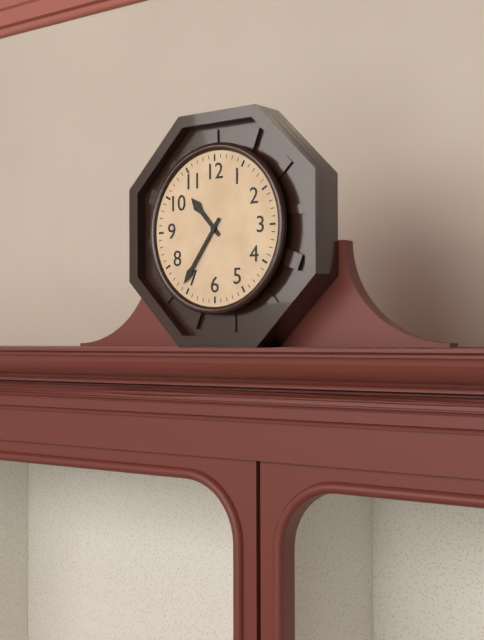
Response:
10h36
